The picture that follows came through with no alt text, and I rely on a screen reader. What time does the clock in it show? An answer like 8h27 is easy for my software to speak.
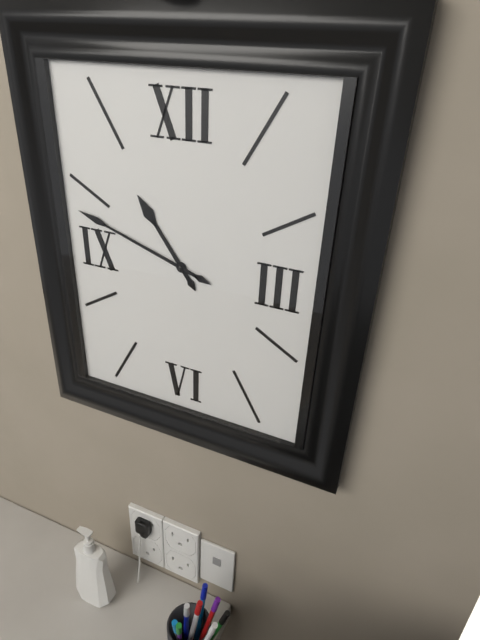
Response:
10h48
